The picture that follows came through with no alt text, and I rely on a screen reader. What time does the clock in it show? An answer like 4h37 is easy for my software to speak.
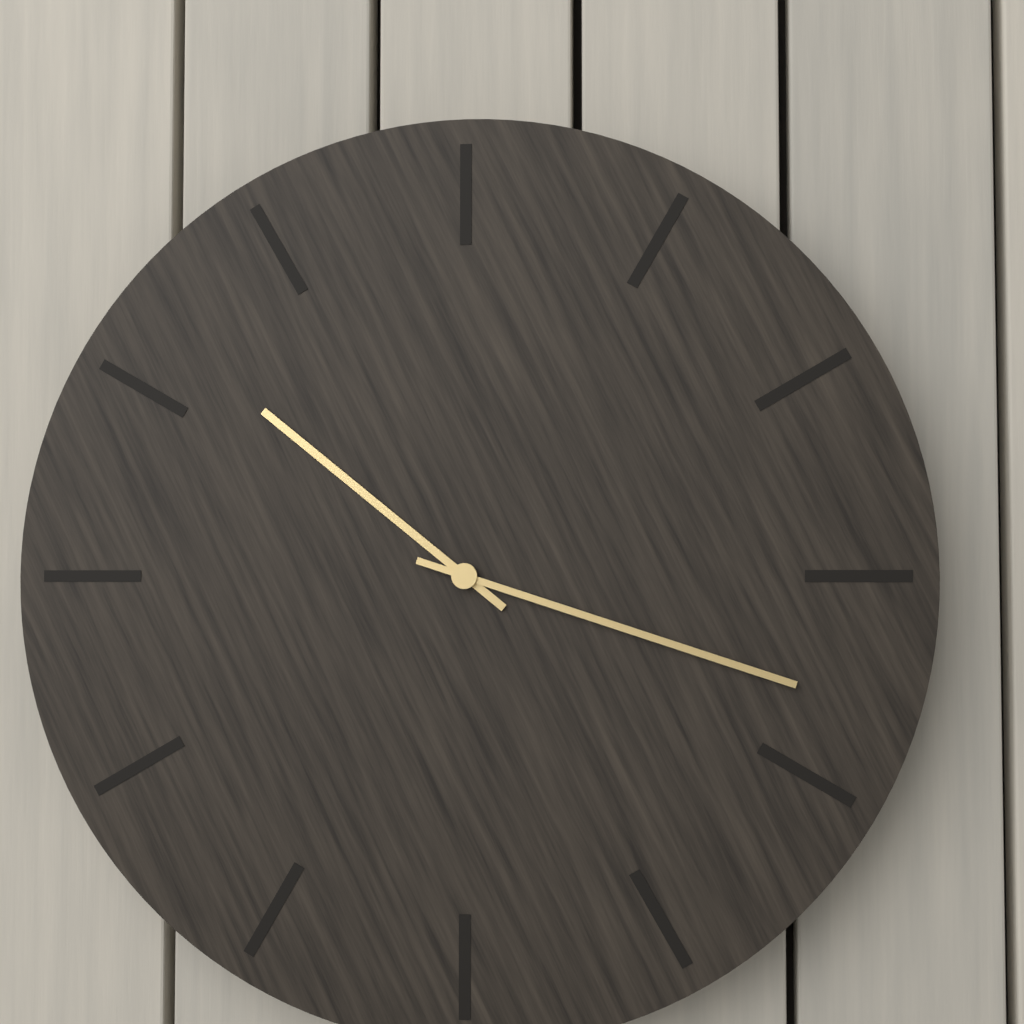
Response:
10h18
